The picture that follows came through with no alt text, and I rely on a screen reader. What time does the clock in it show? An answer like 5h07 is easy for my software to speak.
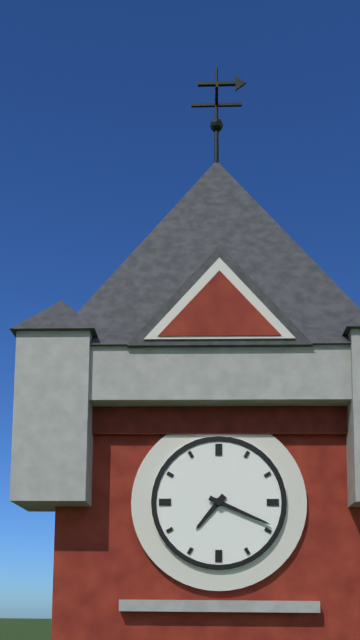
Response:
7h19
